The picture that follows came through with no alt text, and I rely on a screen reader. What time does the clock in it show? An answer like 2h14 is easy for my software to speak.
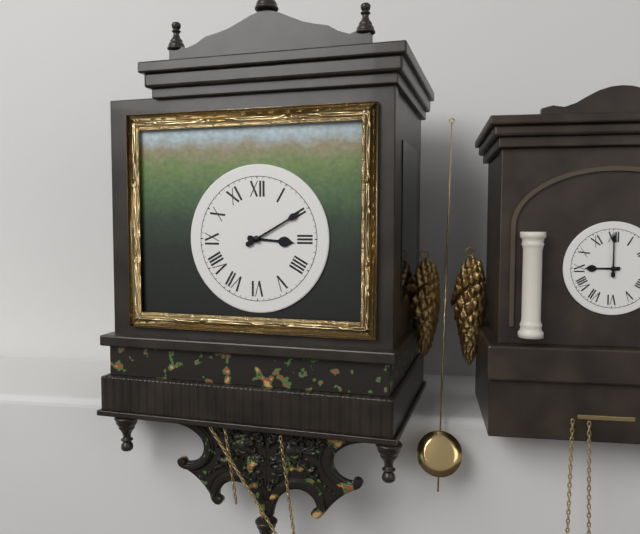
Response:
3h10
